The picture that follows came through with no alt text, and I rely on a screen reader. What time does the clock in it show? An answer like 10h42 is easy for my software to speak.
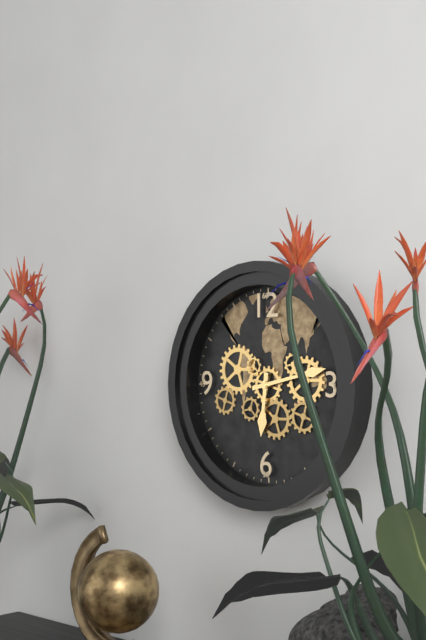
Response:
6h13
